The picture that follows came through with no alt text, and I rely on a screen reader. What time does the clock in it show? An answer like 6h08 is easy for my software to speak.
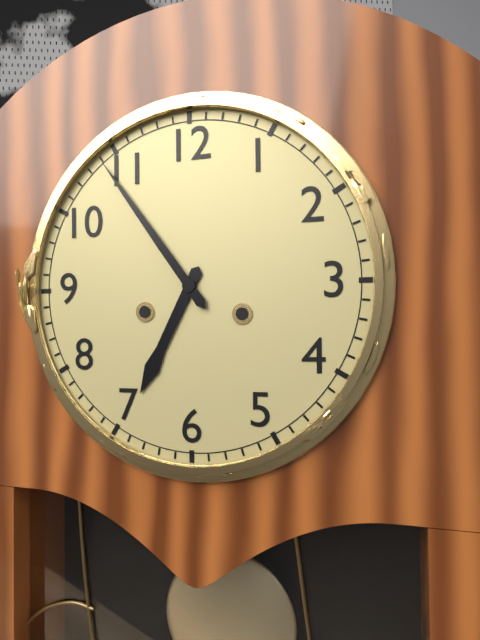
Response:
6h54
